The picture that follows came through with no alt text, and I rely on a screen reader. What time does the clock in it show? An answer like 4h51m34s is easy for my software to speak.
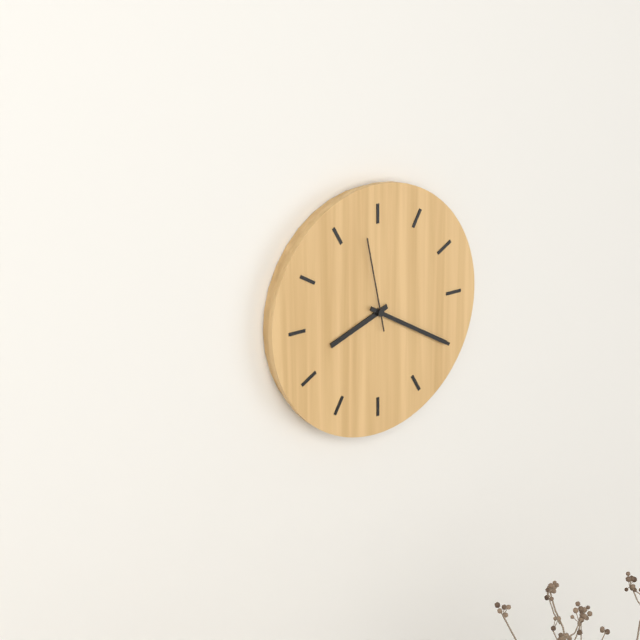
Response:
8h20m58s
